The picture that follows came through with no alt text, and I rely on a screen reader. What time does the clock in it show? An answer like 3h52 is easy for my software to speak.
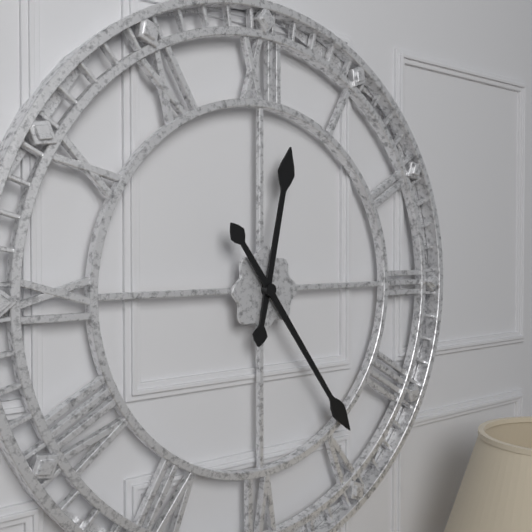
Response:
12h24
